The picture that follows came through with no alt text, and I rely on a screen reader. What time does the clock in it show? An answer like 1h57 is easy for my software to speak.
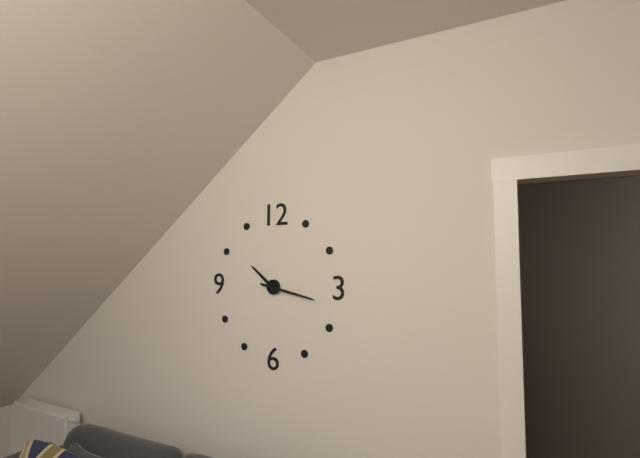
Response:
10h17
